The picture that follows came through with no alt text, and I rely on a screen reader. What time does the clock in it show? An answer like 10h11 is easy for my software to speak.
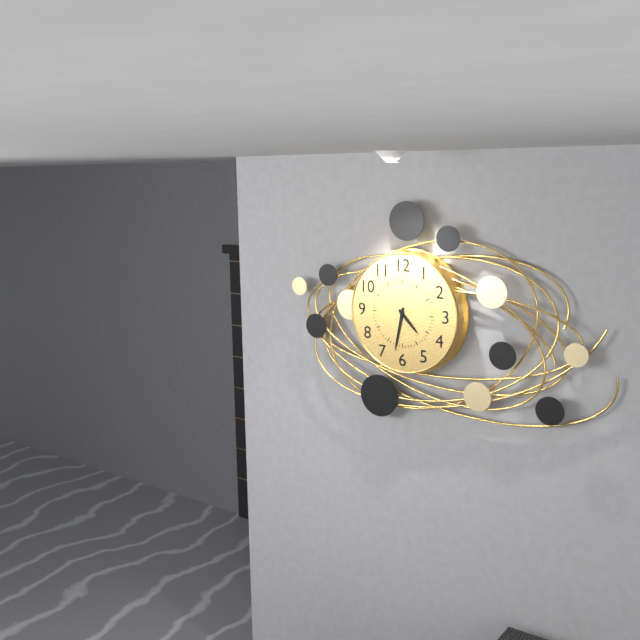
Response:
4h32
